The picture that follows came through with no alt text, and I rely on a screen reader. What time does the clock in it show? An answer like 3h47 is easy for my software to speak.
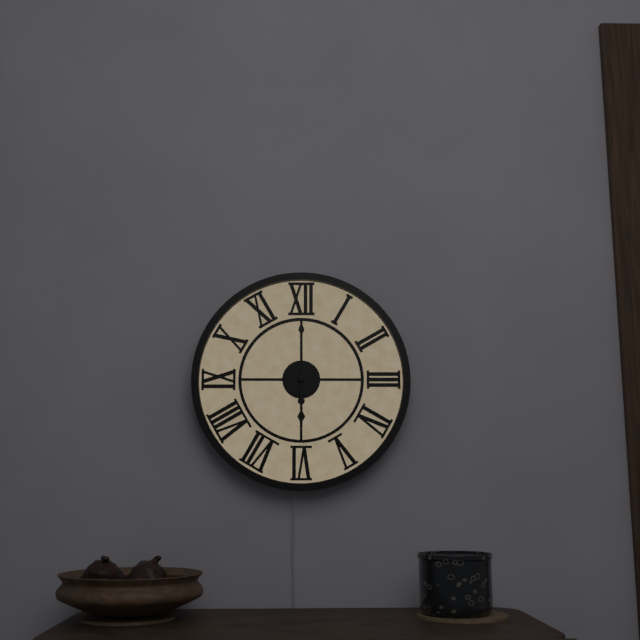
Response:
6h00
